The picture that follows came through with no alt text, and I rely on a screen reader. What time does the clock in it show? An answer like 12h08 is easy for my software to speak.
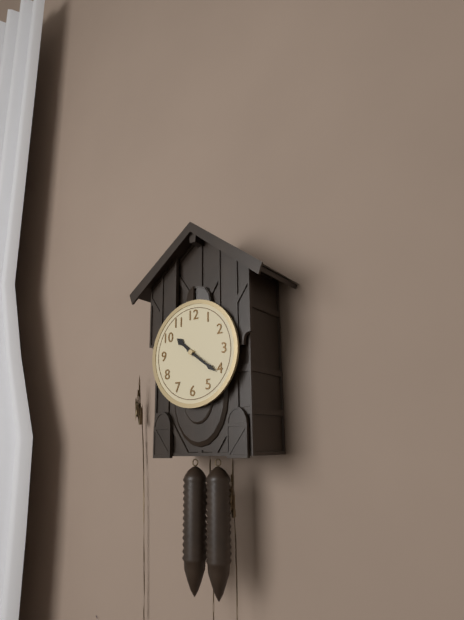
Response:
10h21
